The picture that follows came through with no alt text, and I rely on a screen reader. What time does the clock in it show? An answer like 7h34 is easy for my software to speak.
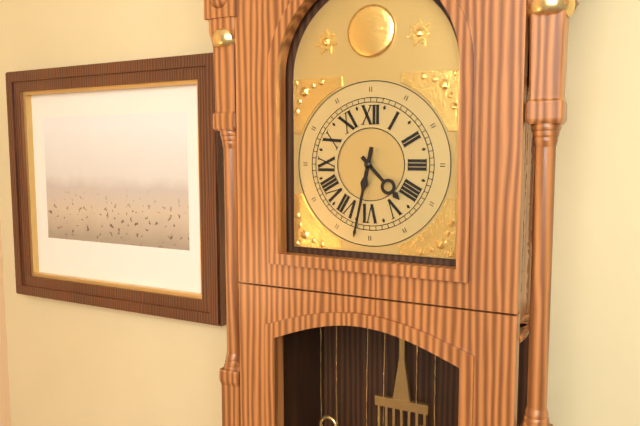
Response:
4h32
